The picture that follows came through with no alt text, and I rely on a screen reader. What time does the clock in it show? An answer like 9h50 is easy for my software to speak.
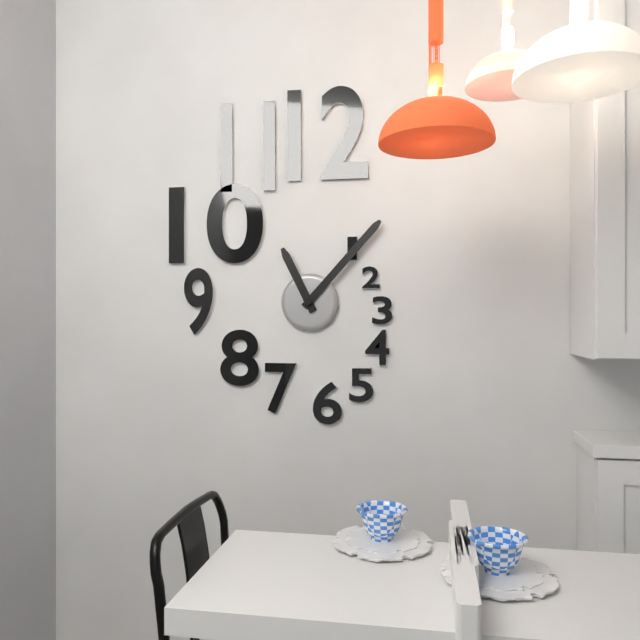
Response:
11h07
